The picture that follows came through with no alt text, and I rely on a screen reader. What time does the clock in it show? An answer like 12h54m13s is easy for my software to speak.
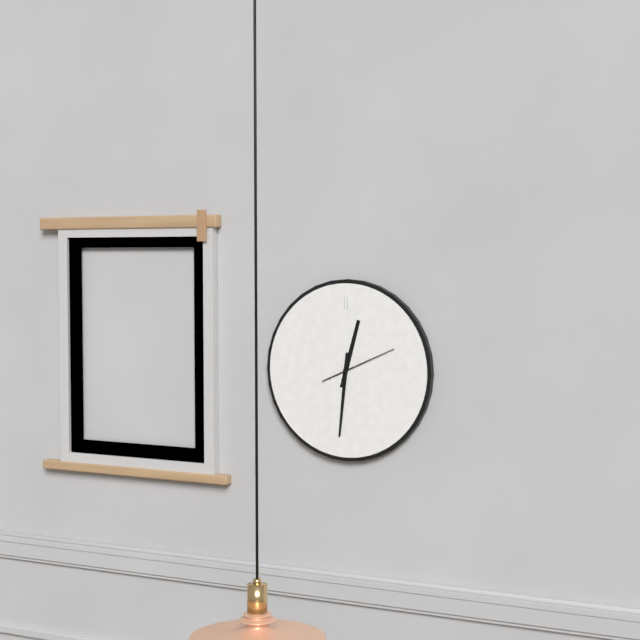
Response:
12h31m11s
